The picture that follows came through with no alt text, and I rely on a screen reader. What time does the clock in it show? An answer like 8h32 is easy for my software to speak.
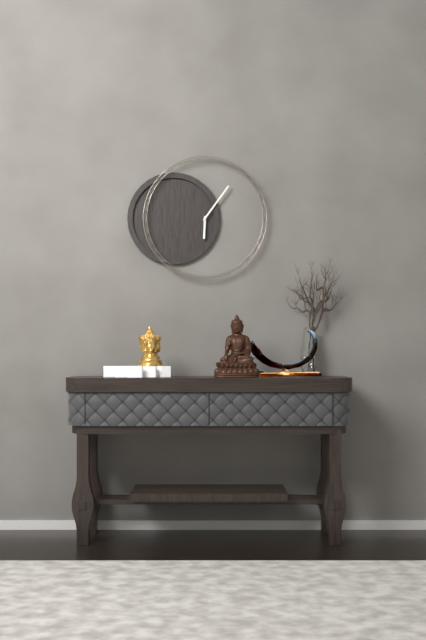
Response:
6h06
